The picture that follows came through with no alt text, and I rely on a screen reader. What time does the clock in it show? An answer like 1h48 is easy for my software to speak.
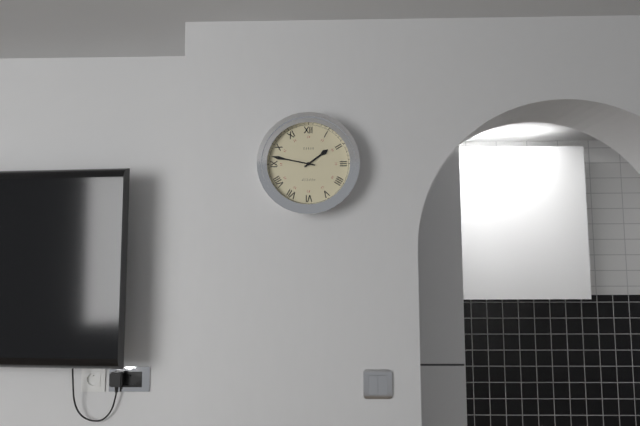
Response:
1h47
